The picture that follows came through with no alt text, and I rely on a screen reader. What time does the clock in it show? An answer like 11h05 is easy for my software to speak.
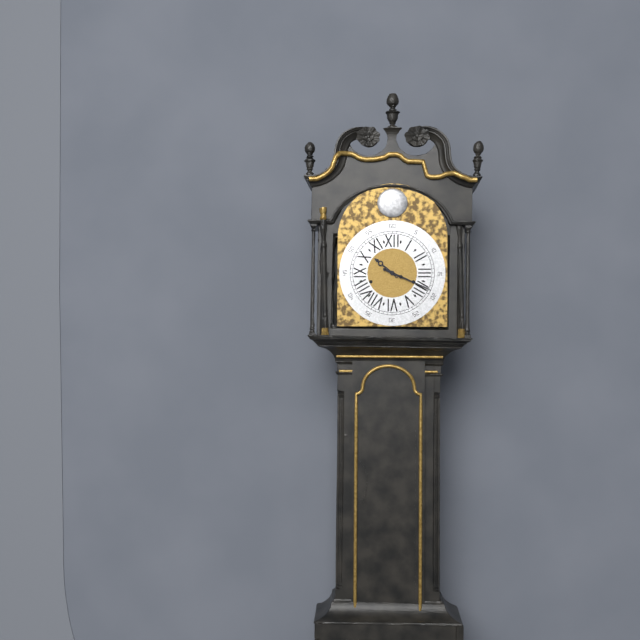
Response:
10h19
